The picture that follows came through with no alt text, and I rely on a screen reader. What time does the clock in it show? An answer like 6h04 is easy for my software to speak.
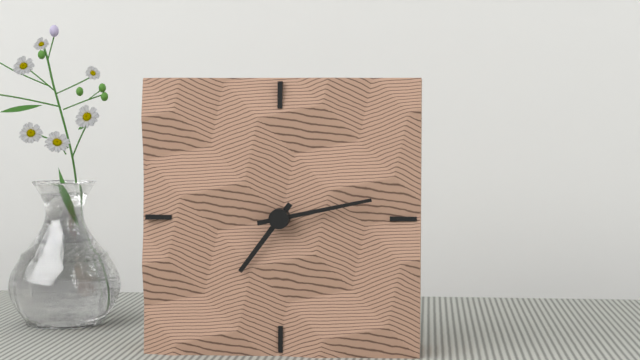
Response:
7h13
